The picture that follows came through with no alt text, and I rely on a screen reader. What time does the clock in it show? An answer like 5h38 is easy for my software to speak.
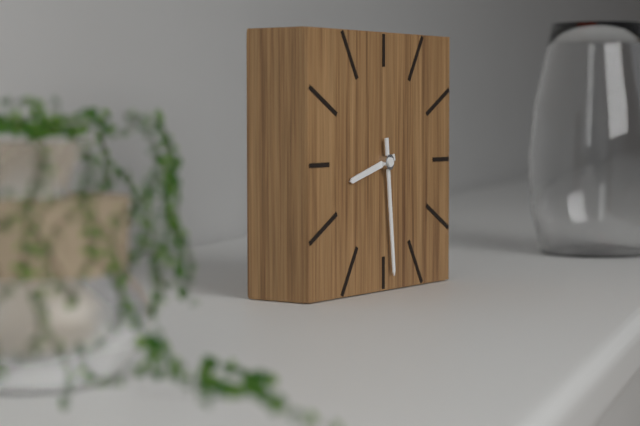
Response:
8h29
